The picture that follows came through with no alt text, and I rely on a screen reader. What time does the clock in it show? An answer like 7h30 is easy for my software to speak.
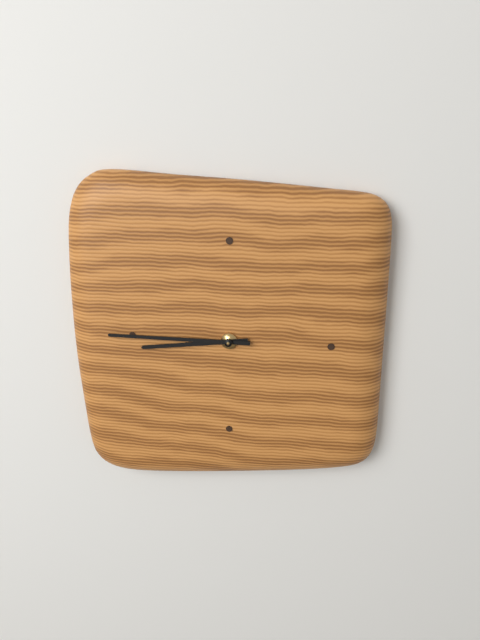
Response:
8h45
